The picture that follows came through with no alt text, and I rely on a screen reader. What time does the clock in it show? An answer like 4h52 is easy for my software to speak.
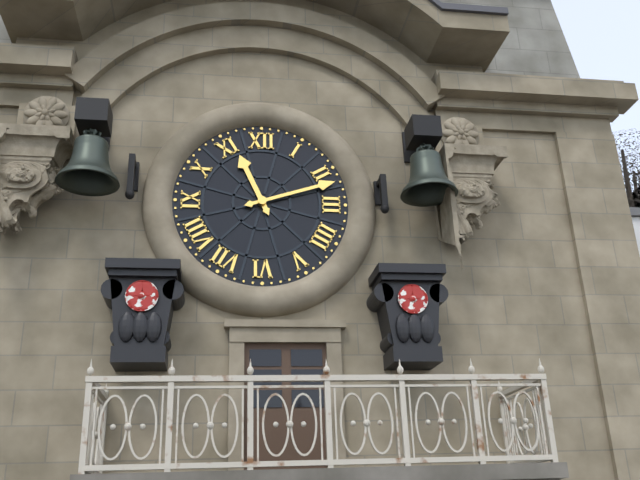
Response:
11h12
